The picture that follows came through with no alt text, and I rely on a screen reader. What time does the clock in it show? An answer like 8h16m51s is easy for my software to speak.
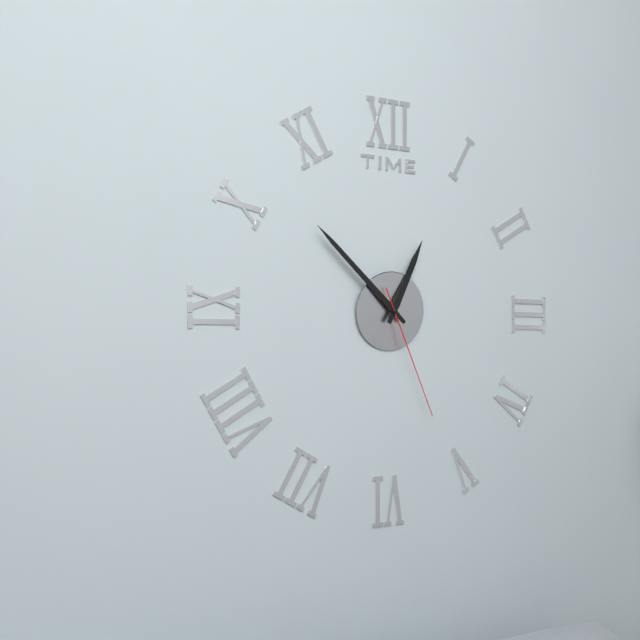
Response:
12h52m26s
